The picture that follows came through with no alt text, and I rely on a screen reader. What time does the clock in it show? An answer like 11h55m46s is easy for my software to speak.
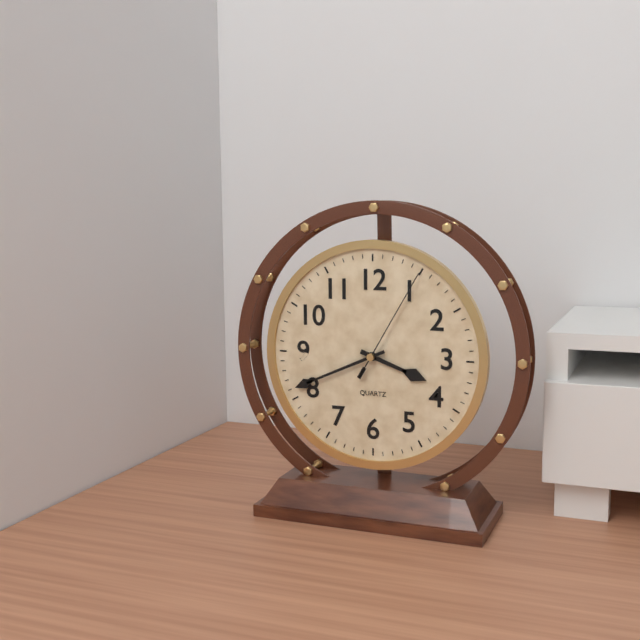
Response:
3h41m05s
